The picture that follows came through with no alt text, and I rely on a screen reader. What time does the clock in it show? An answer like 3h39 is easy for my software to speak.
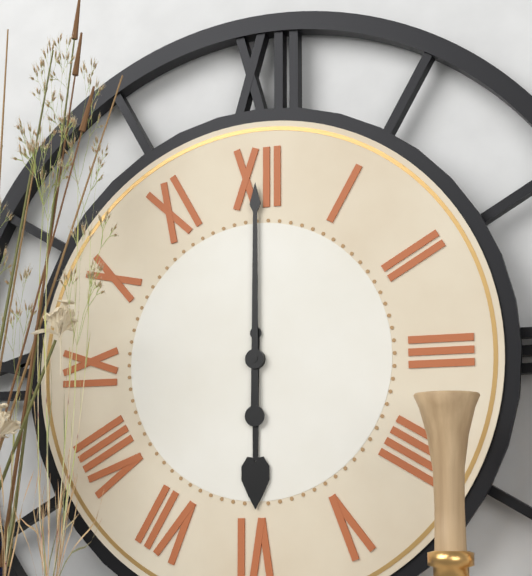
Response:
6h00
